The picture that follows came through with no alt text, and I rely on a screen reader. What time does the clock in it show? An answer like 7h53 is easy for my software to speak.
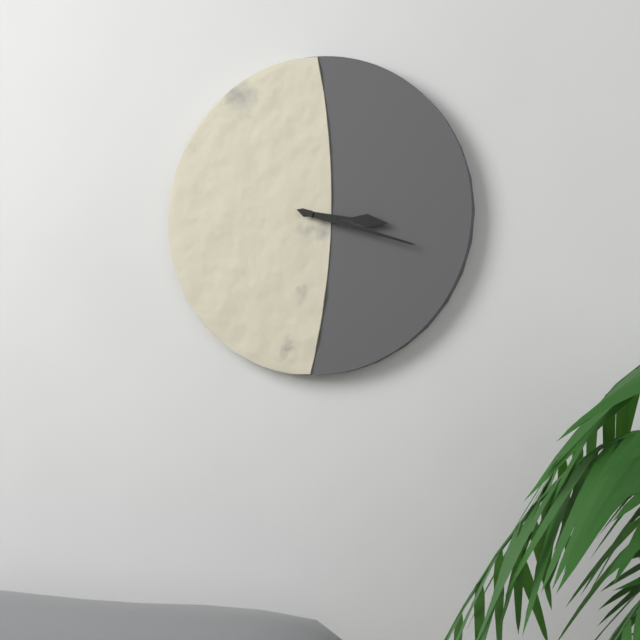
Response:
3h18
